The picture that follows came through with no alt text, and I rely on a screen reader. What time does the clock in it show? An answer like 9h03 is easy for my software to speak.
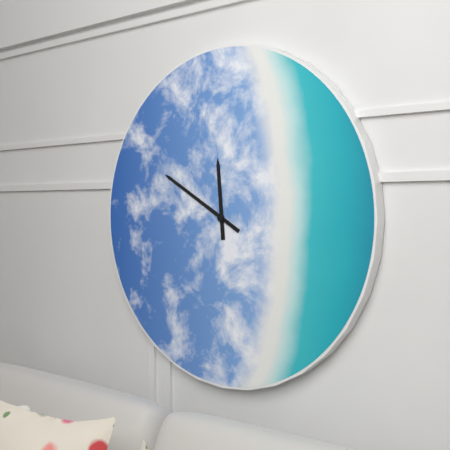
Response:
11h50
